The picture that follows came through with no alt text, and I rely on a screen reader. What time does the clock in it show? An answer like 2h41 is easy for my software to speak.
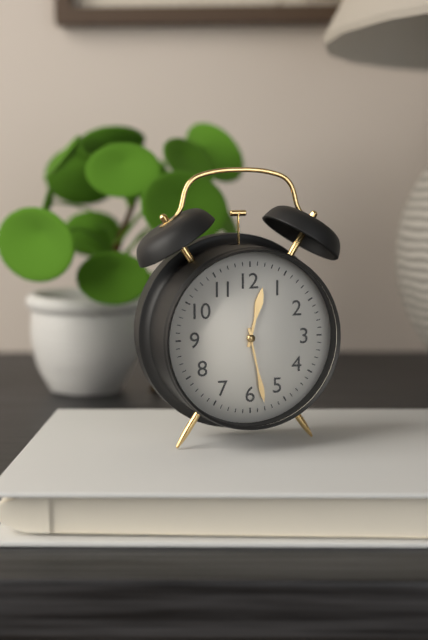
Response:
12h28
